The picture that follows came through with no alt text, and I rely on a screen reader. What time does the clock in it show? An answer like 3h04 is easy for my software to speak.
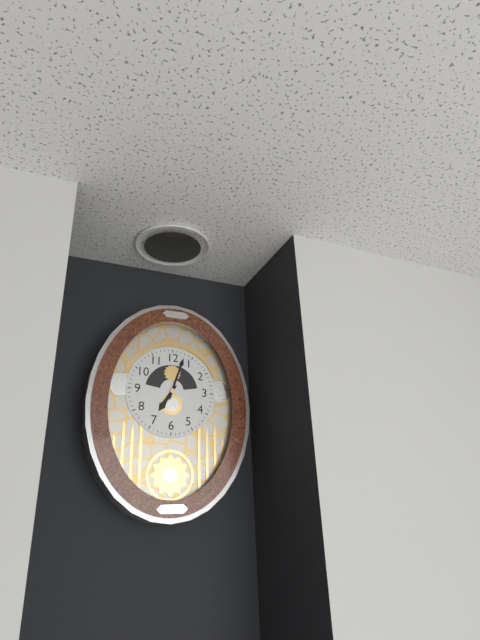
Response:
7h03
